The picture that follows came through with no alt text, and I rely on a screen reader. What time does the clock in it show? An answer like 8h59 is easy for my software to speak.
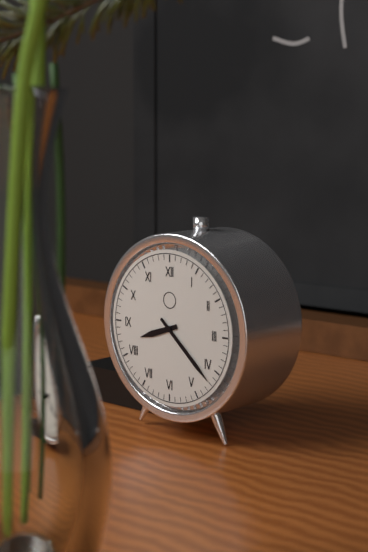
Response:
8h22
